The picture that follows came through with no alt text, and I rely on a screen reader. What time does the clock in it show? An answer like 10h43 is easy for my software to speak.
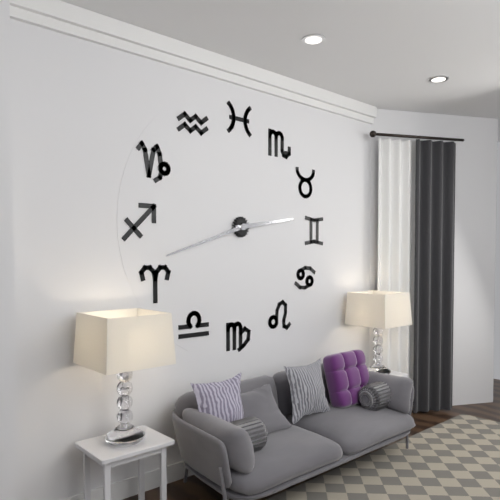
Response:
2h42
